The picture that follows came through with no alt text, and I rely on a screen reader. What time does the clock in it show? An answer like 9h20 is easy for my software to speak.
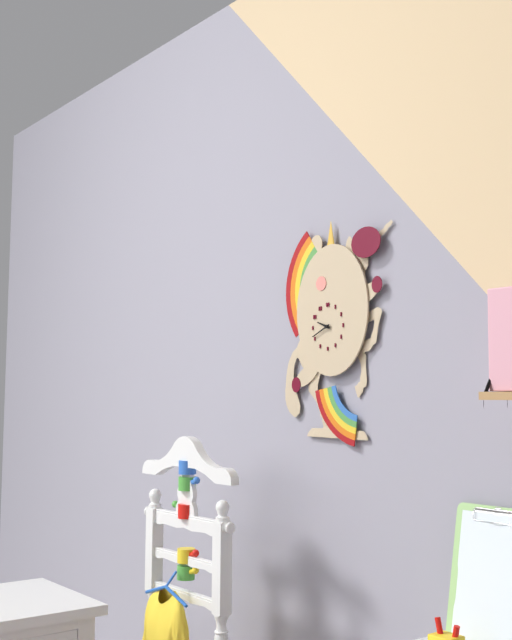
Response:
9h41
